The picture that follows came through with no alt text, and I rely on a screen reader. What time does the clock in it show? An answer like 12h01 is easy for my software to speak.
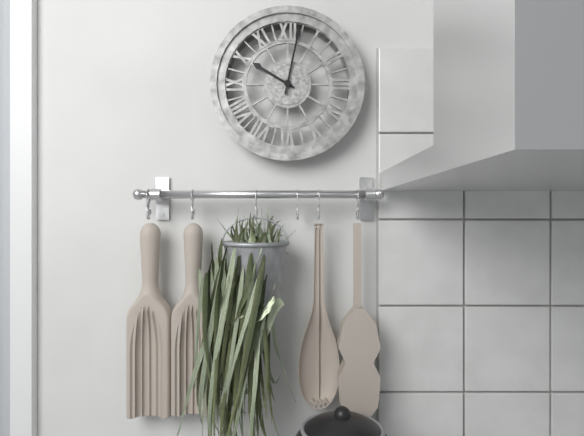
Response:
10h02
